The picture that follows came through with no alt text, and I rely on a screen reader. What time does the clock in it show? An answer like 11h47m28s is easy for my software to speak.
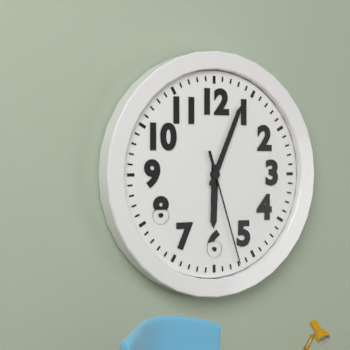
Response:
6h04m27s
